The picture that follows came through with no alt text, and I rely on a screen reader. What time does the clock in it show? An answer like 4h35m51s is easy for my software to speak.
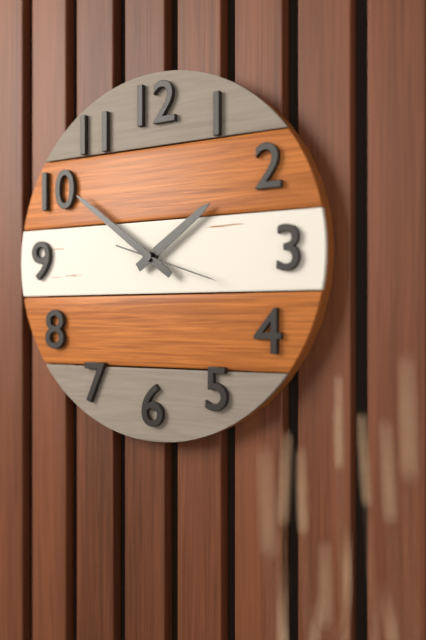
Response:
1h51m18s
